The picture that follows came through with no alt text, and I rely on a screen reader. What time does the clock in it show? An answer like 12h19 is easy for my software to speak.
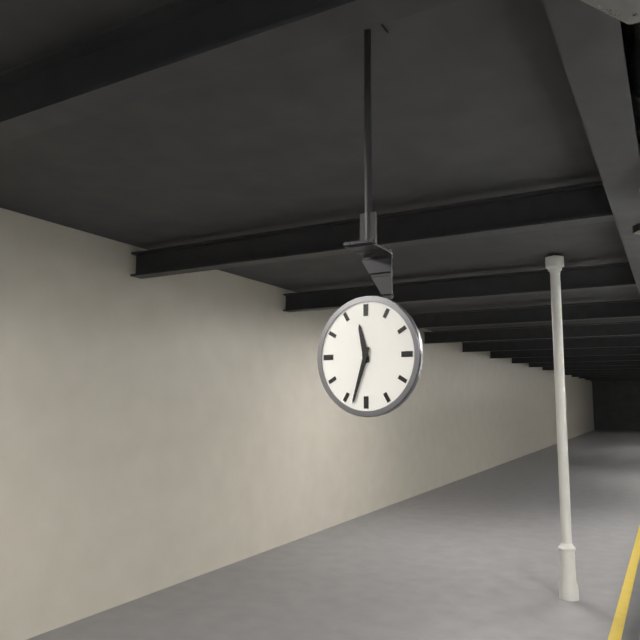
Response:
11h33
